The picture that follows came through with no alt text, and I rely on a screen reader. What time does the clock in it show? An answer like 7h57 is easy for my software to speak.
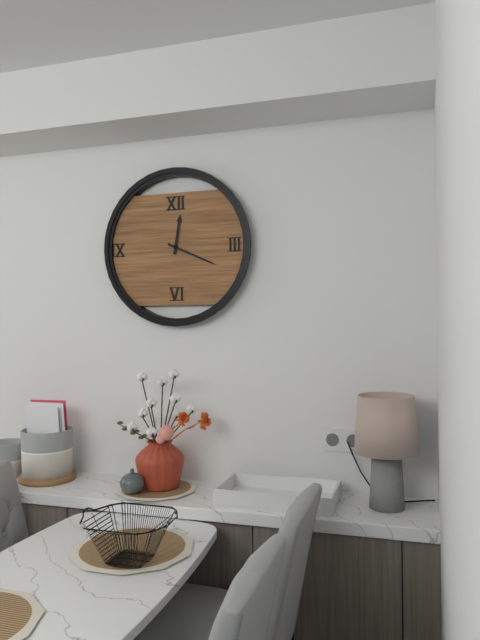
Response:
12h19
